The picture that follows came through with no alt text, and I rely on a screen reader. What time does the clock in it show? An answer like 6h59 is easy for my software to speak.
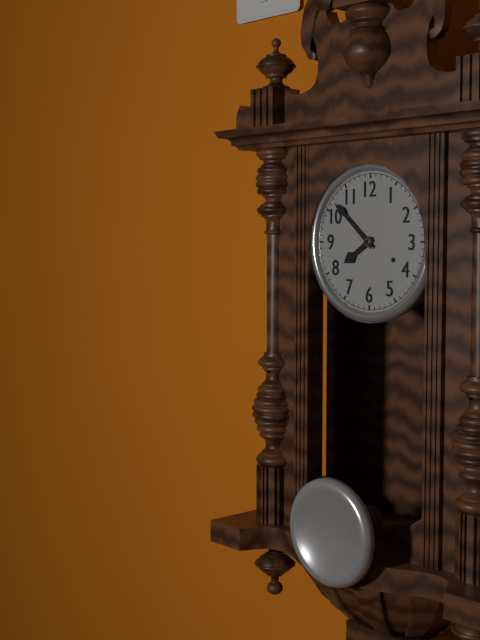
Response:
7h52
